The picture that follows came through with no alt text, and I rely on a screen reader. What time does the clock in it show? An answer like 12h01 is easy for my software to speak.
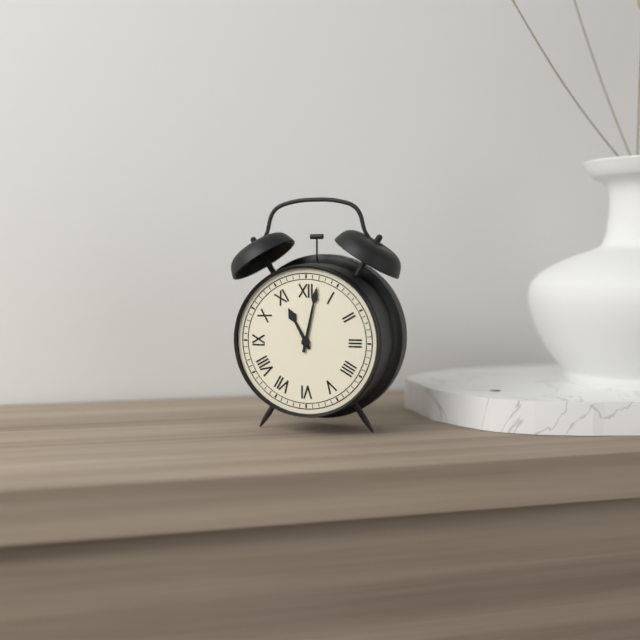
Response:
11h02
